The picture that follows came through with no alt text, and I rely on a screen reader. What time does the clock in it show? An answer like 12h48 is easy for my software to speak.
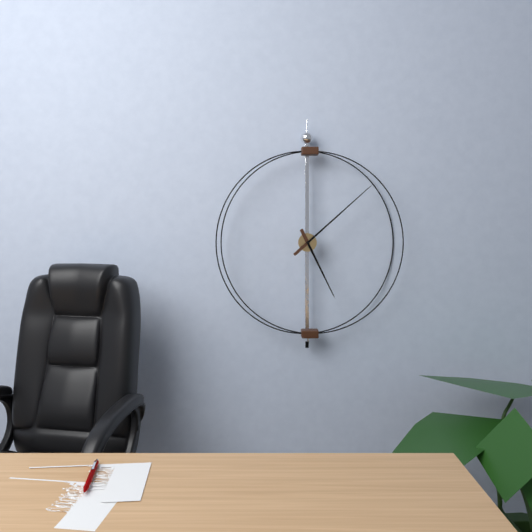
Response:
5h08
